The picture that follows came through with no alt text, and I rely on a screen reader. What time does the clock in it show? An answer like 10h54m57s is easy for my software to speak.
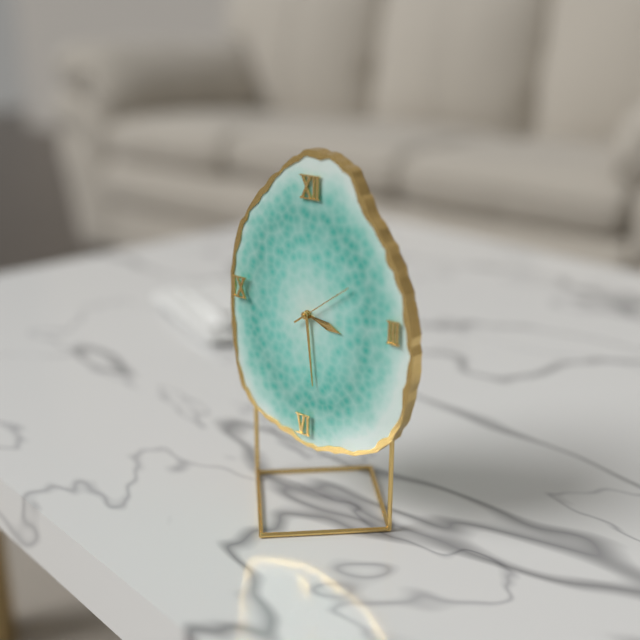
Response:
3h29m09s
